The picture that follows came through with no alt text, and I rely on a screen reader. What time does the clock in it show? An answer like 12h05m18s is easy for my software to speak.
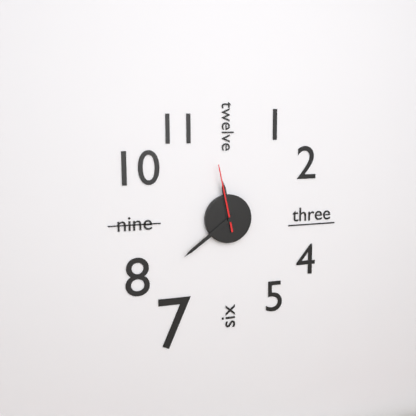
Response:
11h39m58s
